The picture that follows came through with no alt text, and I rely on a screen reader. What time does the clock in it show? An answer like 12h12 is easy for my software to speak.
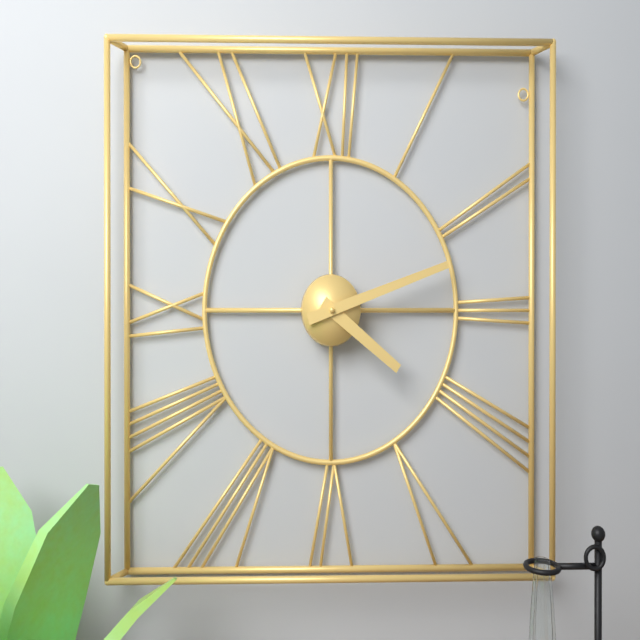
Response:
4h12
